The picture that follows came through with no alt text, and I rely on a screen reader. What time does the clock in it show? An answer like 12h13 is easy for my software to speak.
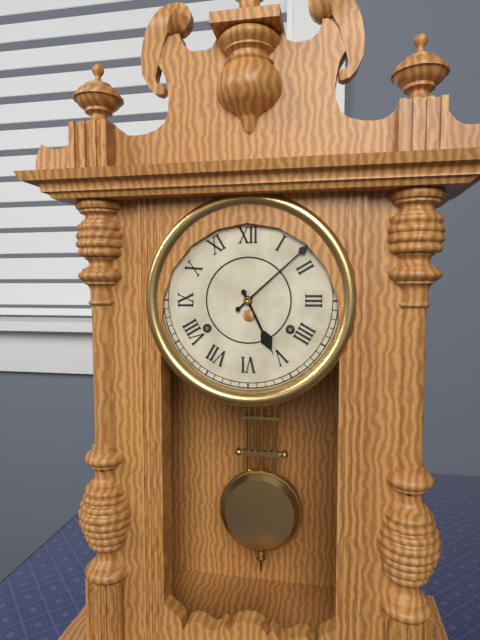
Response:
5h08
